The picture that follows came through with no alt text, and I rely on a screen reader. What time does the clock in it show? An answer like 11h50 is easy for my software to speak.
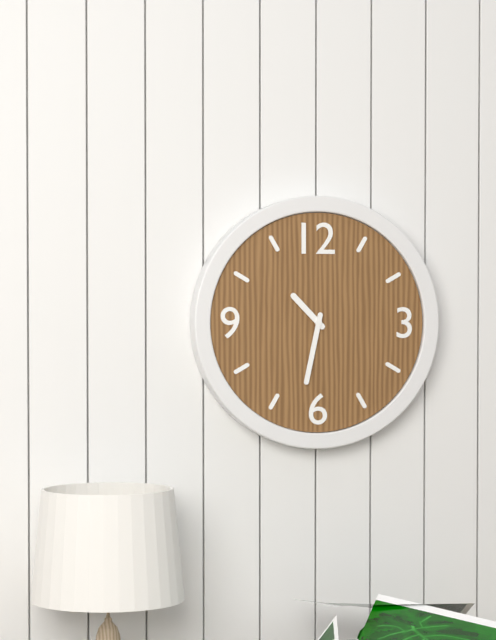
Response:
10h32
